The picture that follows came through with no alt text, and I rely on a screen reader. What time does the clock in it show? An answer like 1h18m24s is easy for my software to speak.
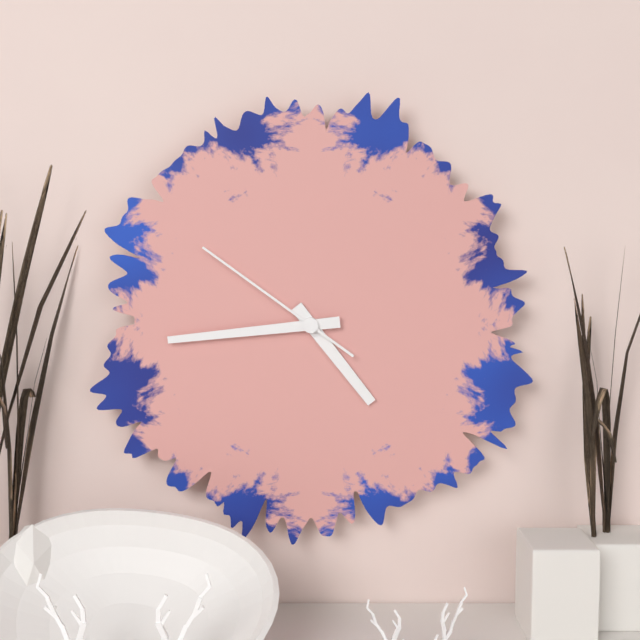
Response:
4h44m51s
